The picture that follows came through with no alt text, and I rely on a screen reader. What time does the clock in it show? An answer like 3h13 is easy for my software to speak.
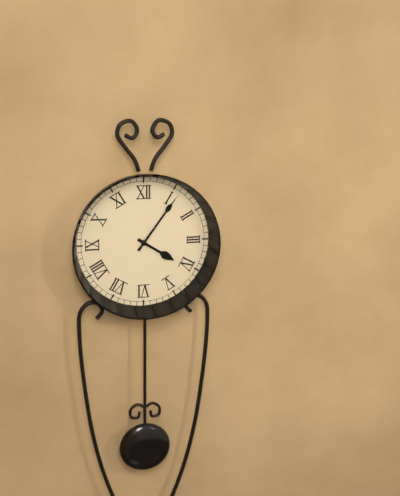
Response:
4h06
